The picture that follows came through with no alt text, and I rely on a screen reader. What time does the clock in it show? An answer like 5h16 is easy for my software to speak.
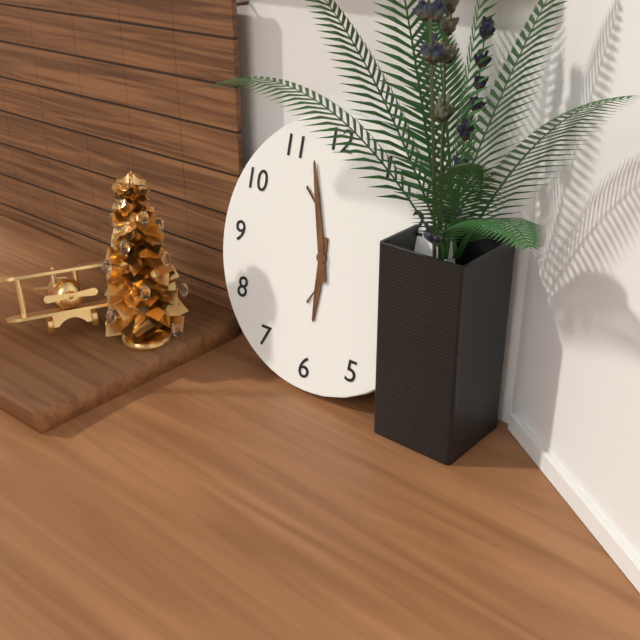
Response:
5h57
